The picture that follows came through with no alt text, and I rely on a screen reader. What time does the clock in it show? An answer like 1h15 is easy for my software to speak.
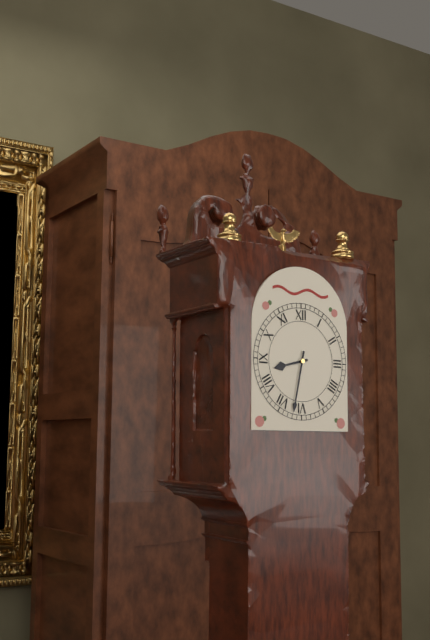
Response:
8h32
